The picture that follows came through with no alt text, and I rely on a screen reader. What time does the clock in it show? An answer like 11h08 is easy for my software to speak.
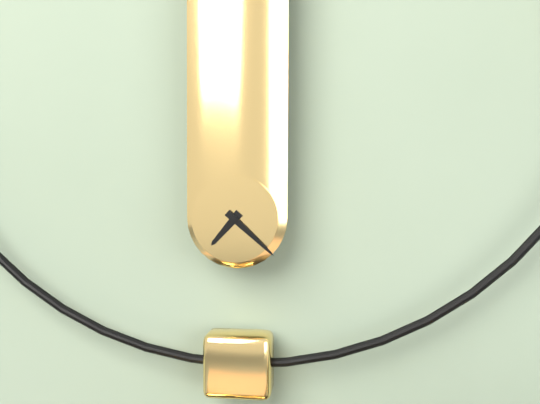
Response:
7h22
